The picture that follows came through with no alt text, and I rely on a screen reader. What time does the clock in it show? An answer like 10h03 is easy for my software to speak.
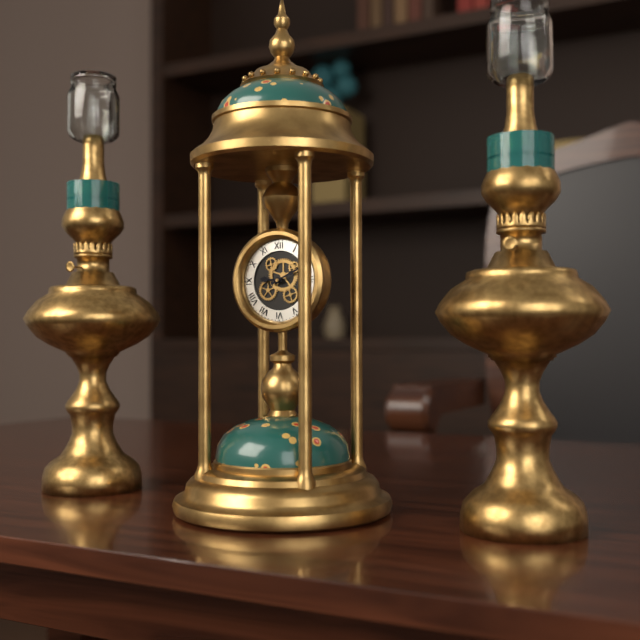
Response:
9h11
